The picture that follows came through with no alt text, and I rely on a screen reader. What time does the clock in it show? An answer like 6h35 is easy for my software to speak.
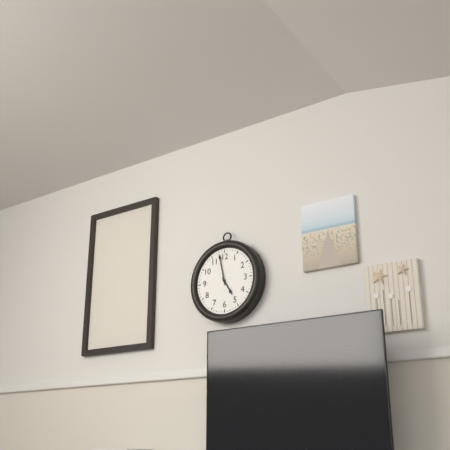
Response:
4h58
